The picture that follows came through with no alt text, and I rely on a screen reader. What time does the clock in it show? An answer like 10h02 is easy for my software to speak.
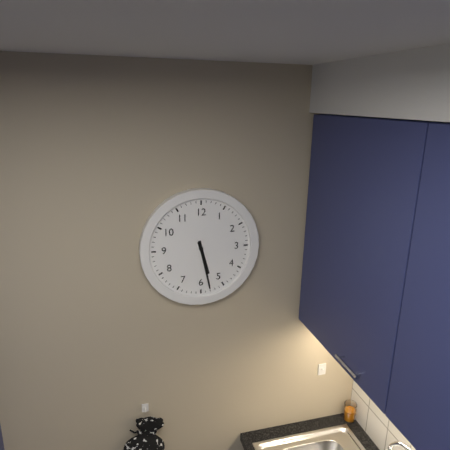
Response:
5h28
